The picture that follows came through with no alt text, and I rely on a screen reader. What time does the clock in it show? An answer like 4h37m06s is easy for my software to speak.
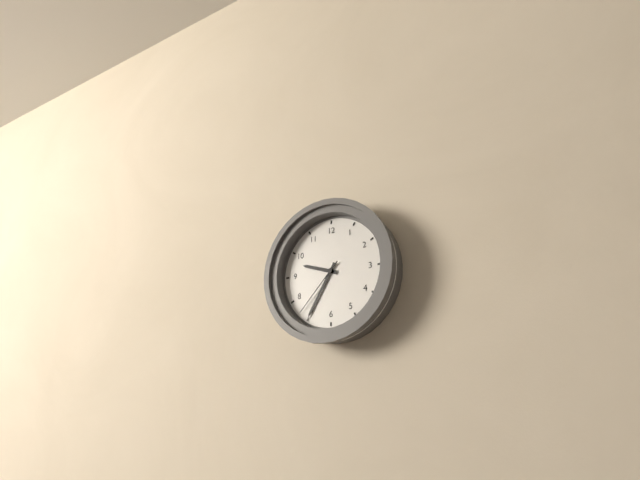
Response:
9h35m37s
